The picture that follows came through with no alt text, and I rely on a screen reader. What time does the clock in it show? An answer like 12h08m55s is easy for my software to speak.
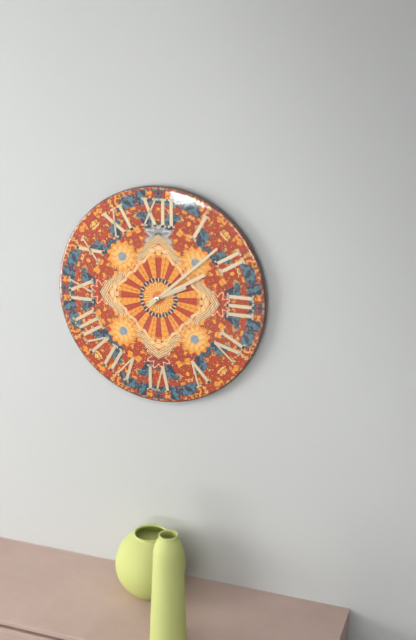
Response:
2h10m08s
